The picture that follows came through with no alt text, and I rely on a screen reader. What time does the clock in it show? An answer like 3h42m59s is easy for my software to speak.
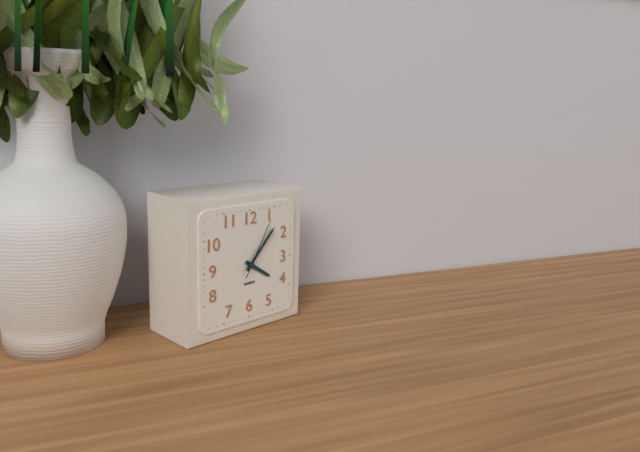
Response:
4h07m05s
